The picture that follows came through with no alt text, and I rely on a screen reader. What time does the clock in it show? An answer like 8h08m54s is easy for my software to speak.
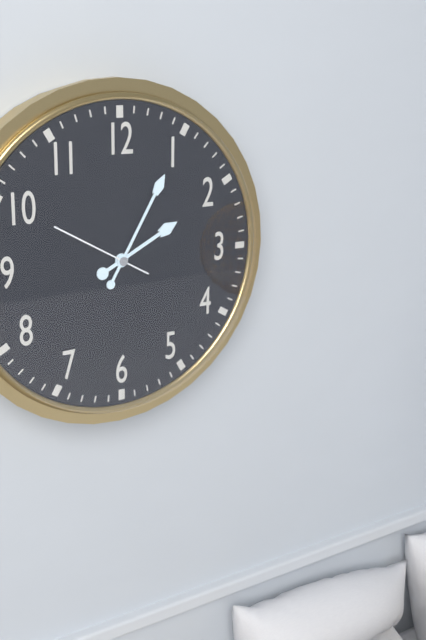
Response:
2h05m50s
